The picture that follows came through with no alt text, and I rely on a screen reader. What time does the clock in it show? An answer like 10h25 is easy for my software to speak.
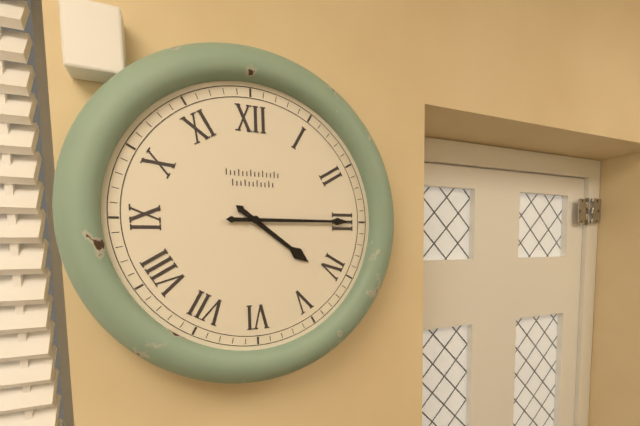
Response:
4h15
